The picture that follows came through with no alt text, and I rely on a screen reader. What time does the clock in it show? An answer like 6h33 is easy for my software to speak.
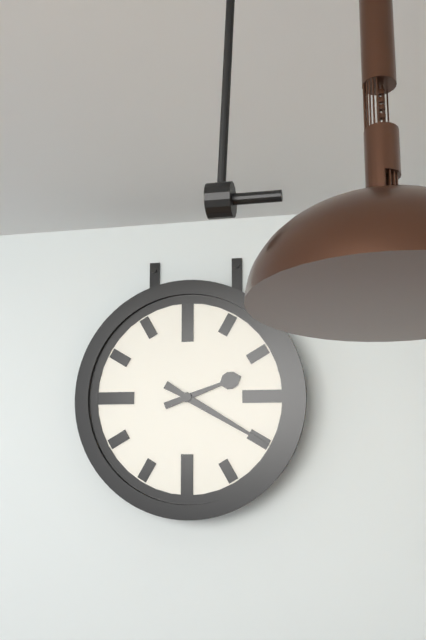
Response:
2h20
